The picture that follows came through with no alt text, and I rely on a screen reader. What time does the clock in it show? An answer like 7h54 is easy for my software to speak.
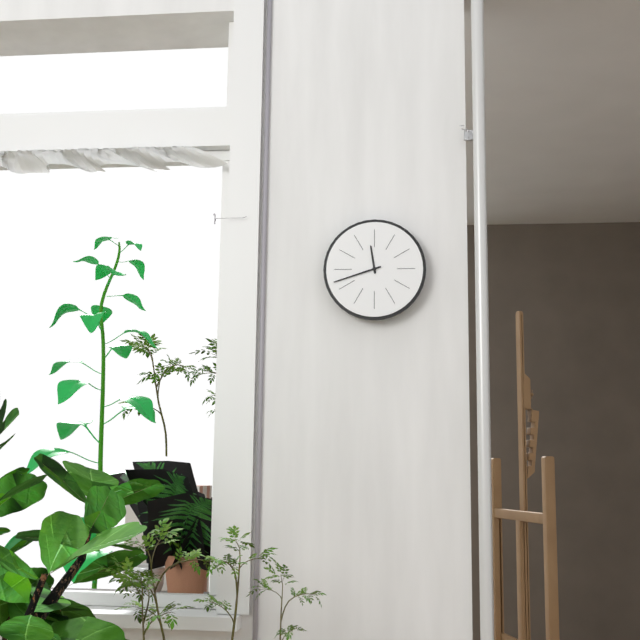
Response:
11h42
